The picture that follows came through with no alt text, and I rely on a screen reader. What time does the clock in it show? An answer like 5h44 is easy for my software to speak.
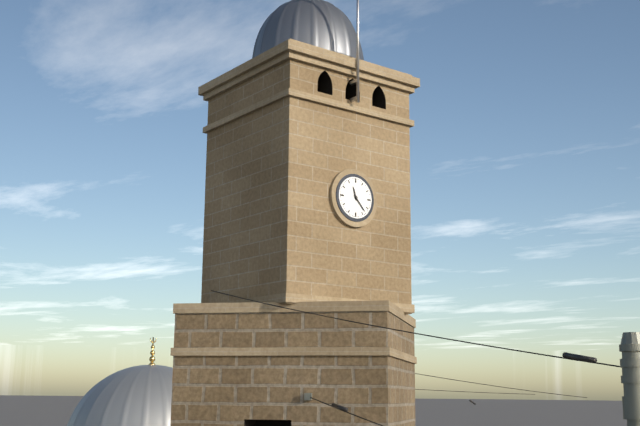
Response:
11h23
